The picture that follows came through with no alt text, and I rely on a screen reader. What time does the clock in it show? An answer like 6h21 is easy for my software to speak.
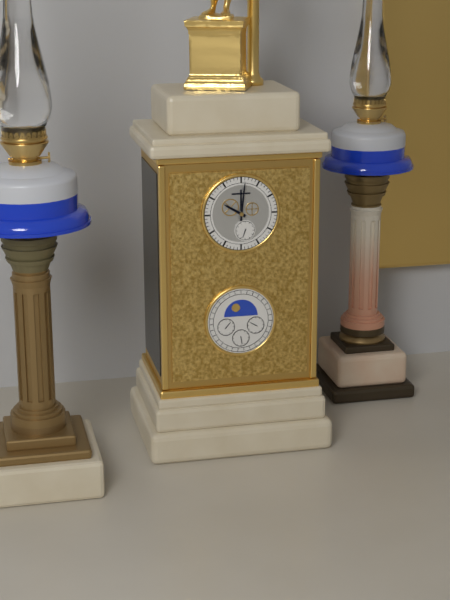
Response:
10h01
